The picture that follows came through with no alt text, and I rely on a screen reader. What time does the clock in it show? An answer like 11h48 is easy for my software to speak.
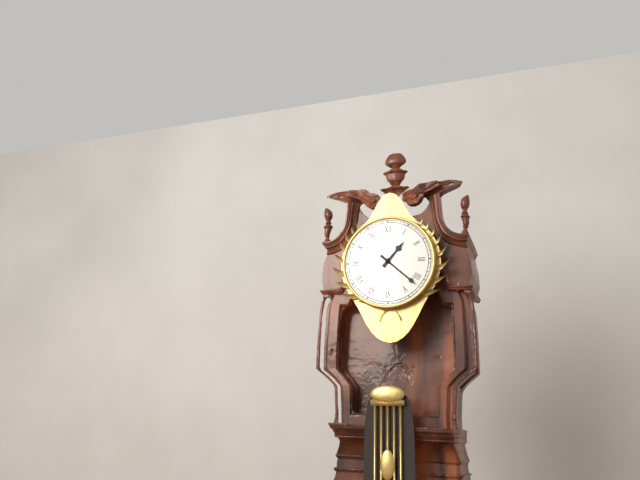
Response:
1h22
